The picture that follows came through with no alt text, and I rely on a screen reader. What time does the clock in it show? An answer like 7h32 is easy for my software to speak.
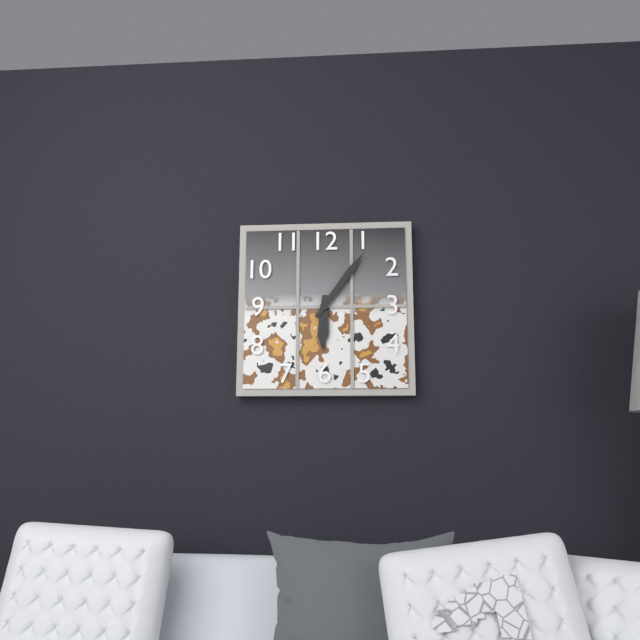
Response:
6h06
